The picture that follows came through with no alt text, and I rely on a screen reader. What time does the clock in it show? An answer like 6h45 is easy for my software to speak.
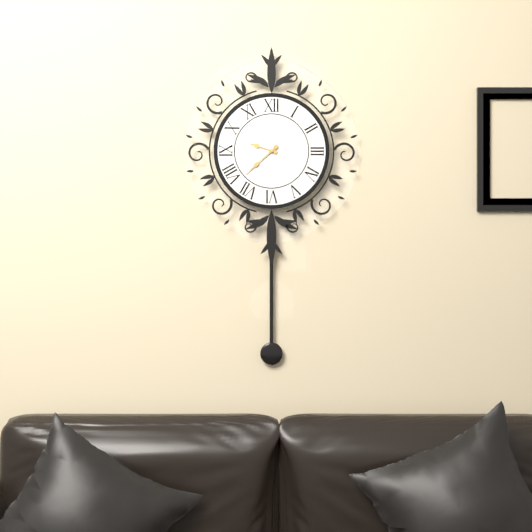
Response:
9h38
